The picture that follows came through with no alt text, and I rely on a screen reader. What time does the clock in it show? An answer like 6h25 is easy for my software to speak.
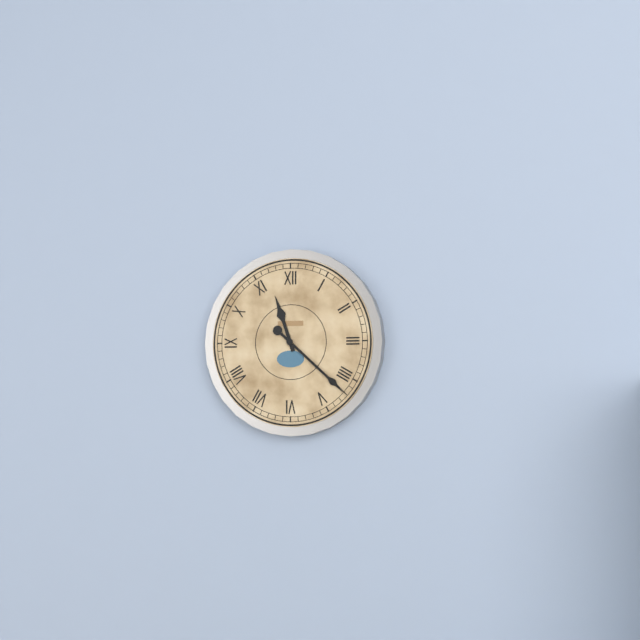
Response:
11h22
